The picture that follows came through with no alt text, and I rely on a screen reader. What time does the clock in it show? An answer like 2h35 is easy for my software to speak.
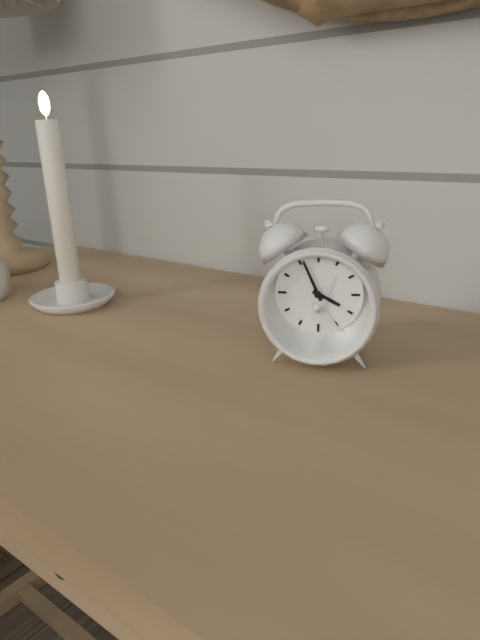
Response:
3h56
